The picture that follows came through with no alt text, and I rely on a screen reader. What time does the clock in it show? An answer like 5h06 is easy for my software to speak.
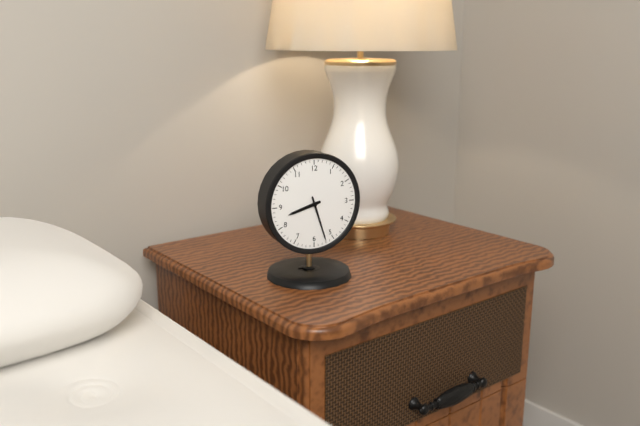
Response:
8h27
